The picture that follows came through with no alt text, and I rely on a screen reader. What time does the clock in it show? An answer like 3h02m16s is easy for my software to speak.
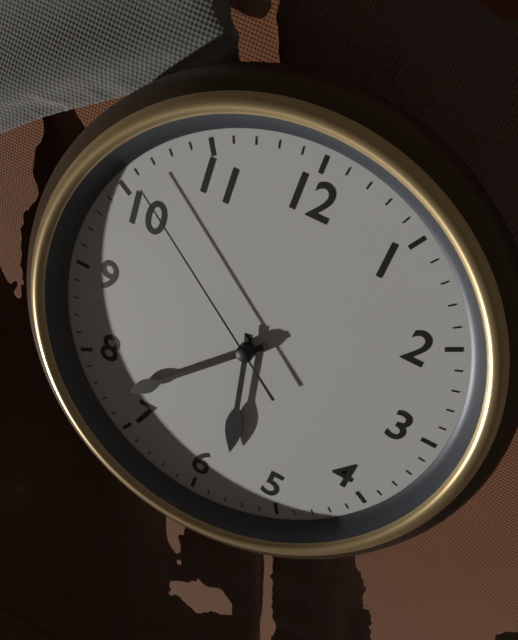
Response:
5h37m51s
